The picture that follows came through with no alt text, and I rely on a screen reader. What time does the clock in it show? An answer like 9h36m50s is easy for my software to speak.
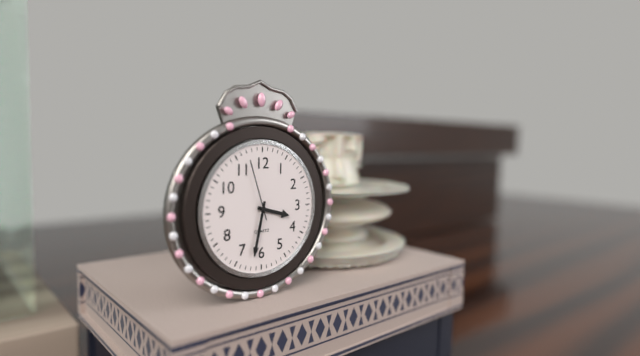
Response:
3h32m57s
